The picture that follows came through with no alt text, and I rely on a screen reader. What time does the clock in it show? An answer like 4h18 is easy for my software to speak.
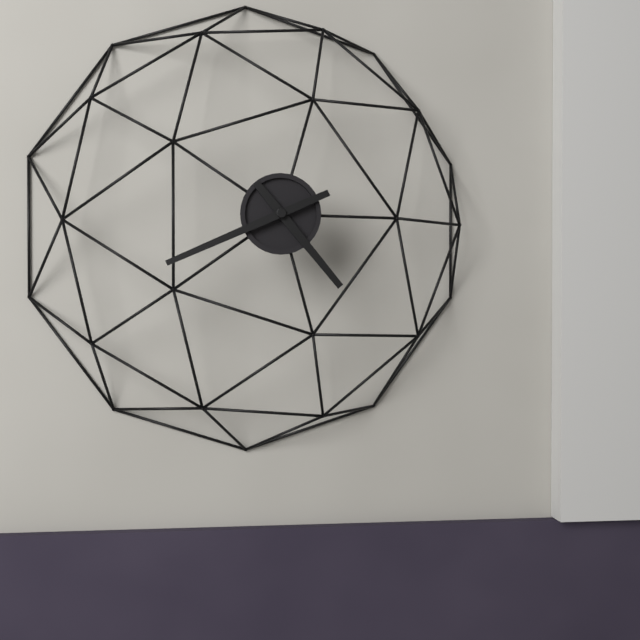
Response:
4h41
